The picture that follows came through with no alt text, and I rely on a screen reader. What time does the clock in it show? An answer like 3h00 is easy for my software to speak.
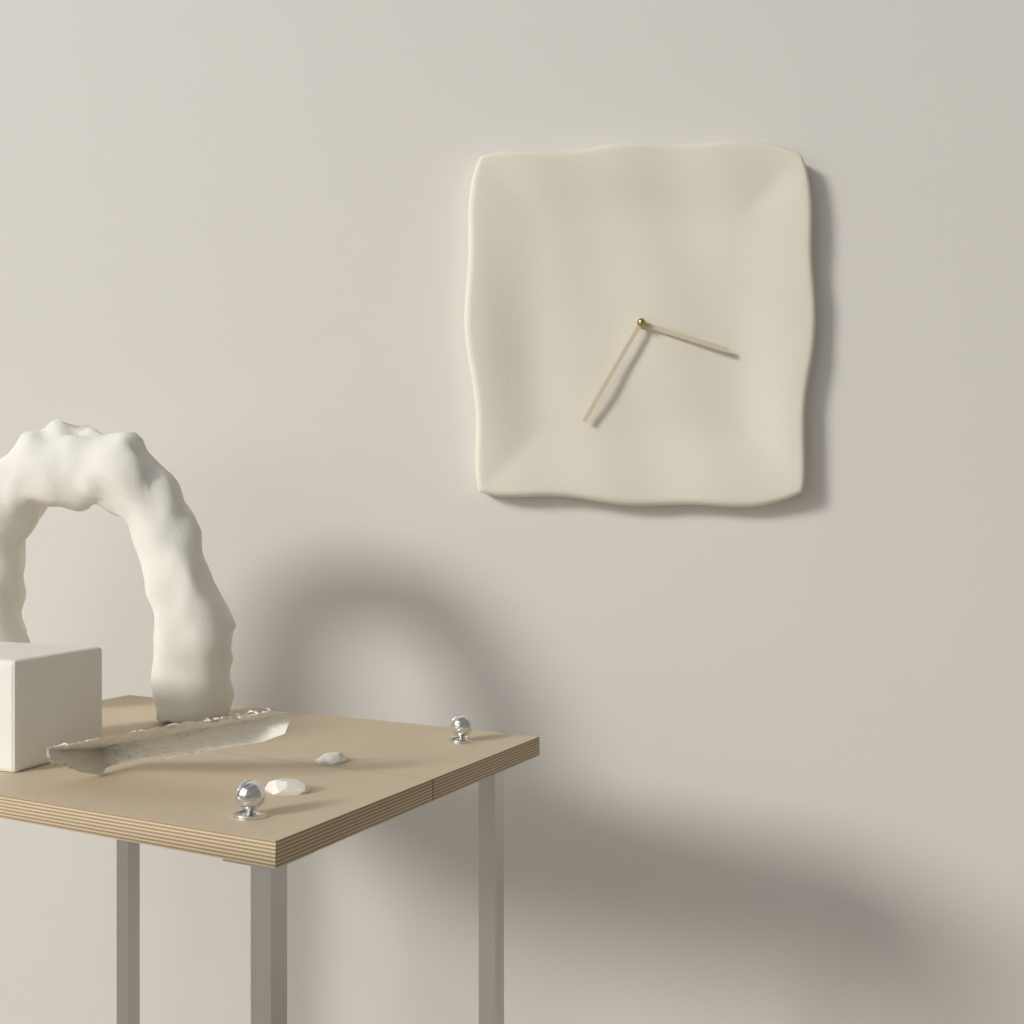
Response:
3h35
